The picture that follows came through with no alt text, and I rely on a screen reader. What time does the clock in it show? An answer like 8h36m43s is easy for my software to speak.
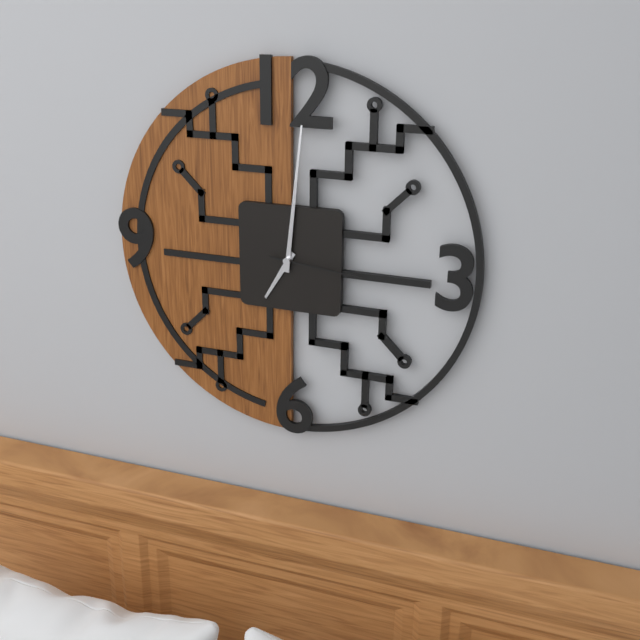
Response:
7h01m16s
